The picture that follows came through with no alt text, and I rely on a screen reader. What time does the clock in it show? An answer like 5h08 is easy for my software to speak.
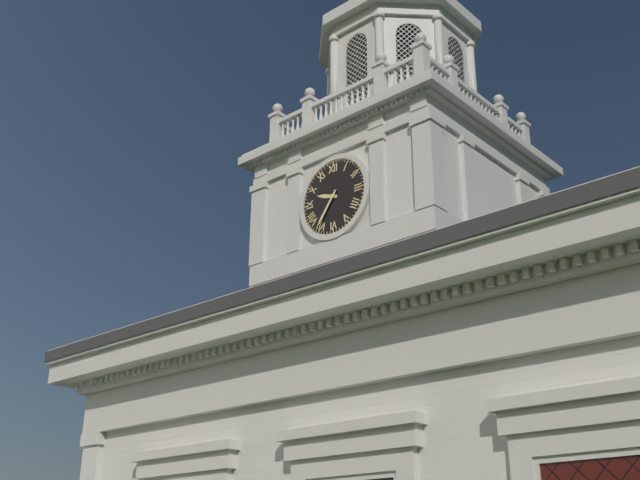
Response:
9h36
